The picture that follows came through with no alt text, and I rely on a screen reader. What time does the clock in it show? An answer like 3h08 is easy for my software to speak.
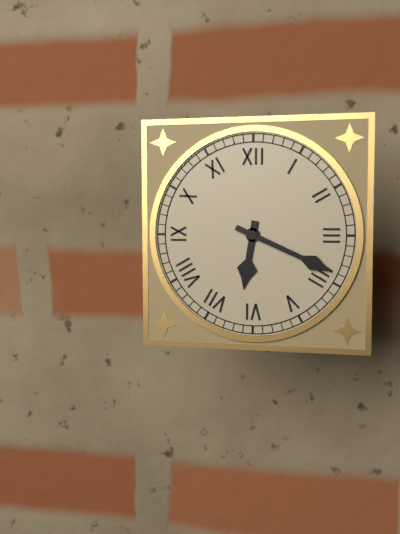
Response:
6h19
